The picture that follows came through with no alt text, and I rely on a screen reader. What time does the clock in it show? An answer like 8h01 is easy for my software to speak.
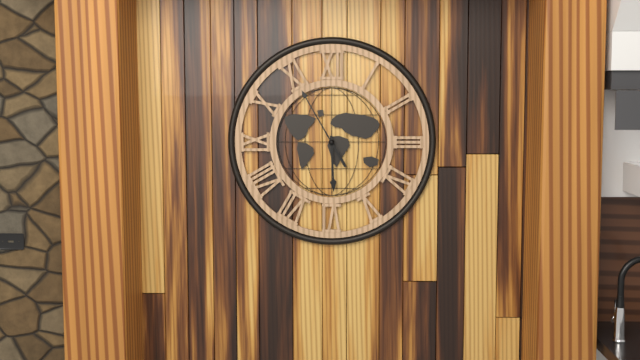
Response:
5h55
